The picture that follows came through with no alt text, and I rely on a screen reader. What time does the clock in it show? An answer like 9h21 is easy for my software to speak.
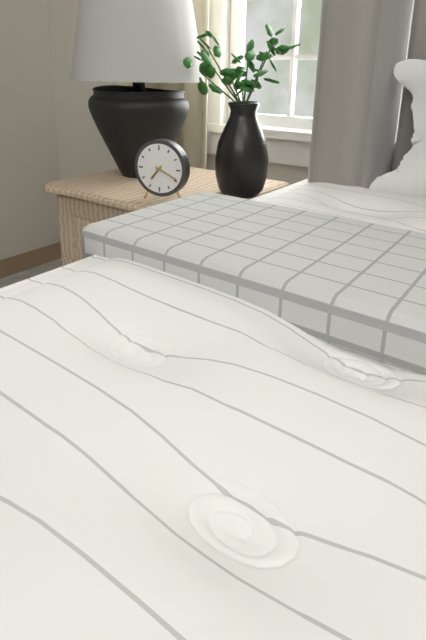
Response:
7h19
